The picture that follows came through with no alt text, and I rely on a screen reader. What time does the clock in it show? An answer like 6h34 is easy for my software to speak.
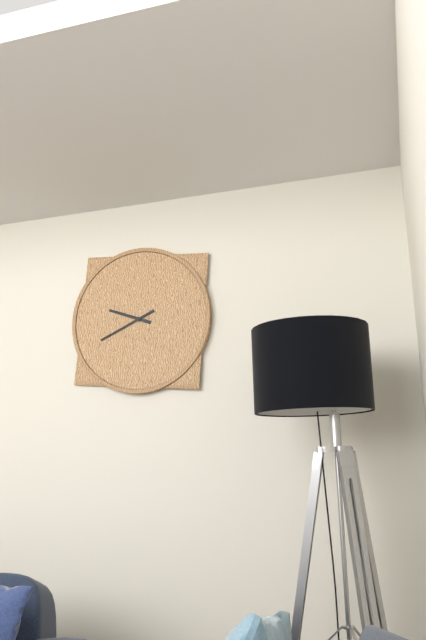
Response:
9h41
